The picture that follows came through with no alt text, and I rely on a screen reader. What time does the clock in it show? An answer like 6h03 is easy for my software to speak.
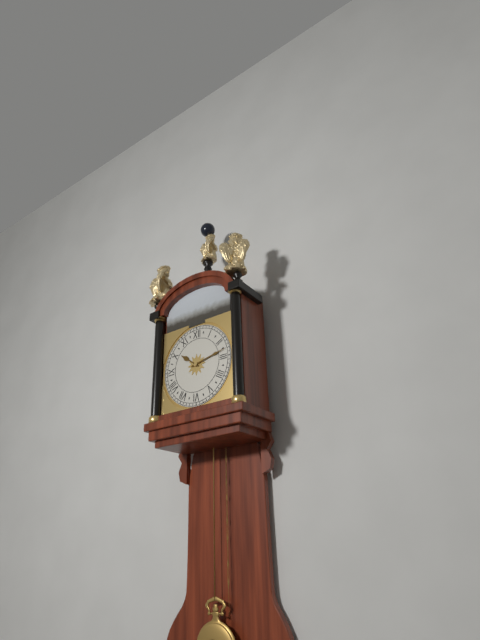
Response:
10h13
